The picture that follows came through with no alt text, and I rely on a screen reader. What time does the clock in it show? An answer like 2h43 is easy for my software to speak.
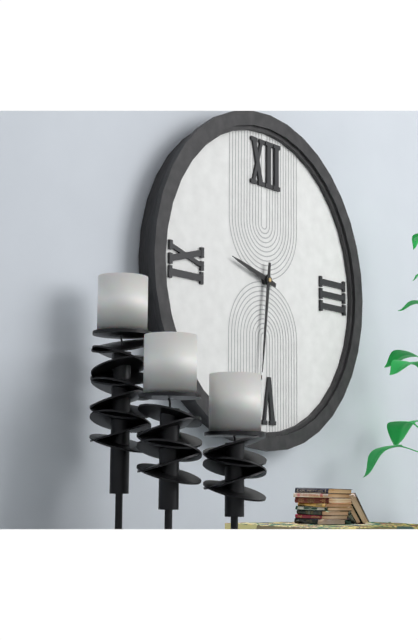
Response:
9h31
